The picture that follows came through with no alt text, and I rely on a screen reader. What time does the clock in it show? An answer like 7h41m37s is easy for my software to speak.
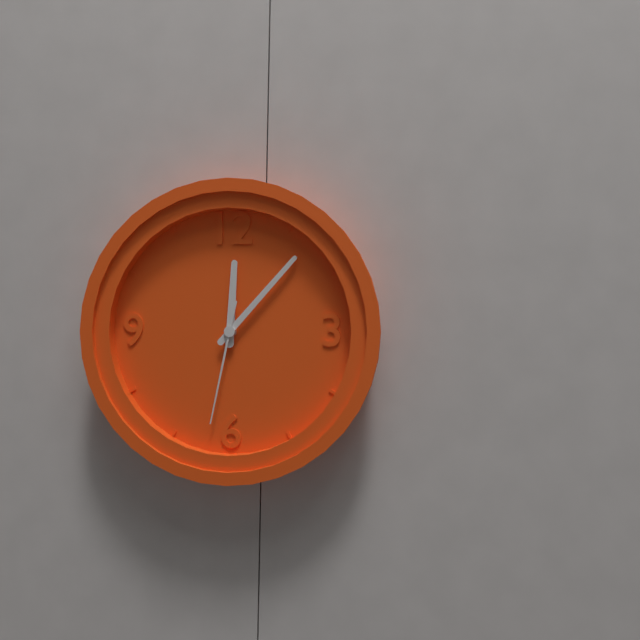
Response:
12h07m32s
